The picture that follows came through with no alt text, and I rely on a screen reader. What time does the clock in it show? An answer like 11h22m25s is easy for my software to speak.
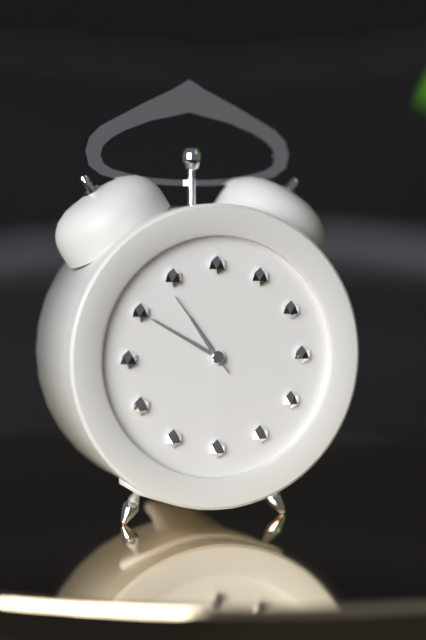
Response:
10h50m54s
